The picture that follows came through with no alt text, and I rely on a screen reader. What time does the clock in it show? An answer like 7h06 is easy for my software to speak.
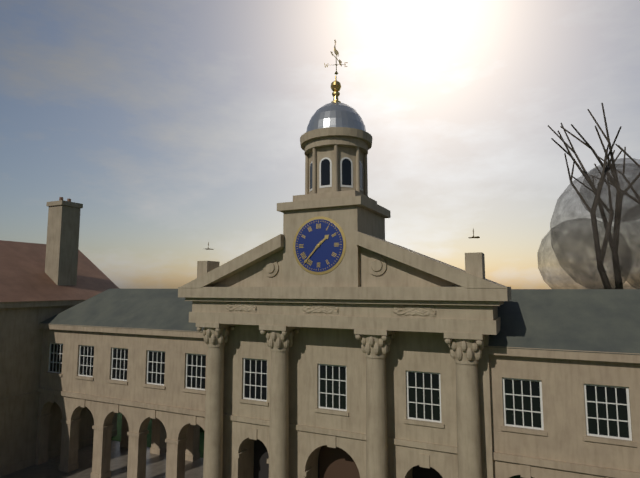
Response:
1h37
